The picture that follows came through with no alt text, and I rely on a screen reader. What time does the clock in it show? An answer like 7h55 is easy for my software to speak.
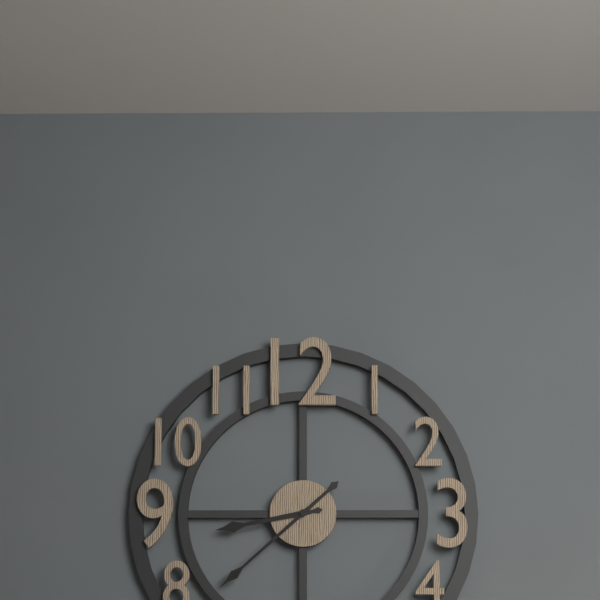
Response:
8h38
